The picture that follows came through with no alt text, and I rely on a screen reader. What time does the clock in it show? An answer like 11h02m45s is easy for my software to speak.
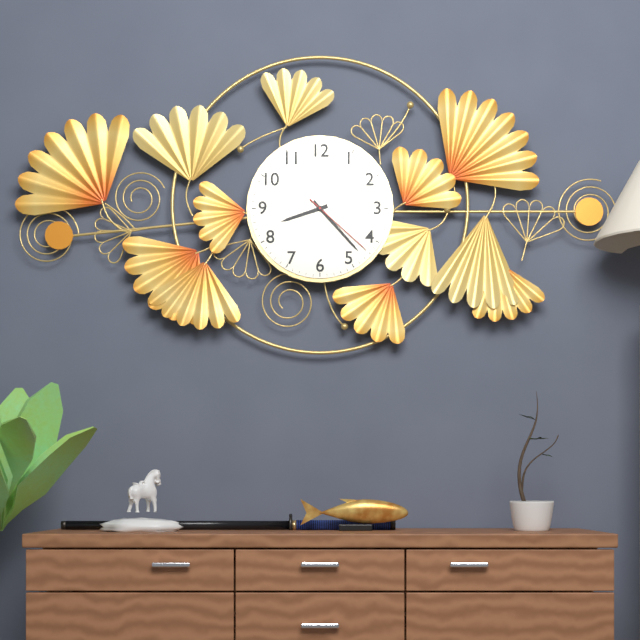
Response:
8h23m22s
